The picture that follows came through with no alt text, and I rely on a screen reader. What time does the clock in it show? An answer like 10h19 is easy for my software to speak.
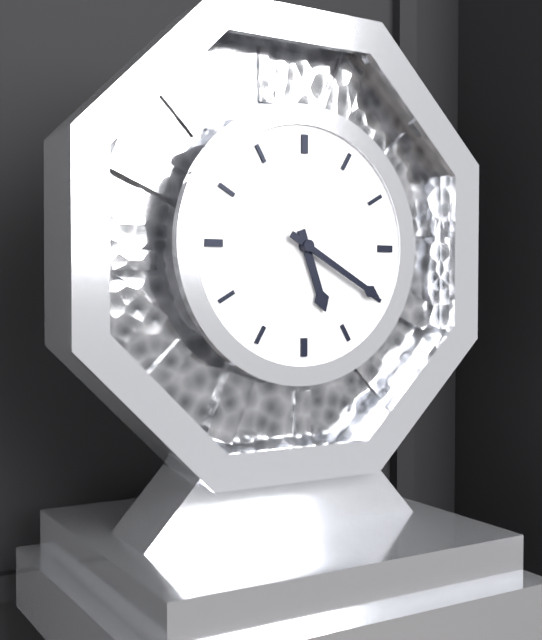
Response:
5h20
